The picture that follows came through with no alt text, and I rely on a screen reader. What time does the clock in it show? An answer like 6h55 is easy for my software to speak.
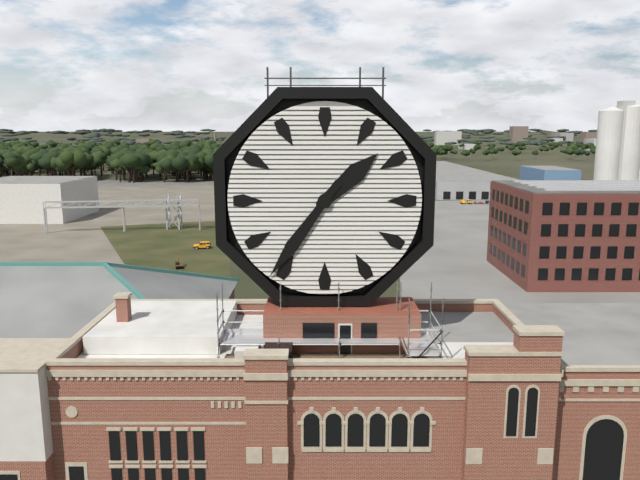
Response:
1h36
